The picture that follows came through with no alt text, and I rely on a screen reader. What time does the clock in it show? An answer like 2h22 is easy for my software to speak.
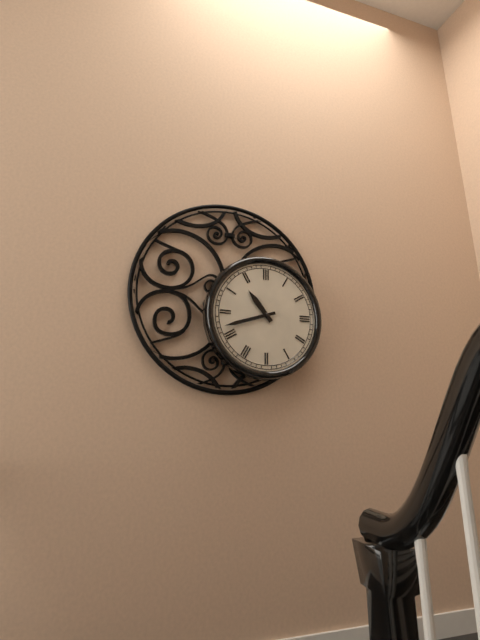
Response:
10h42
